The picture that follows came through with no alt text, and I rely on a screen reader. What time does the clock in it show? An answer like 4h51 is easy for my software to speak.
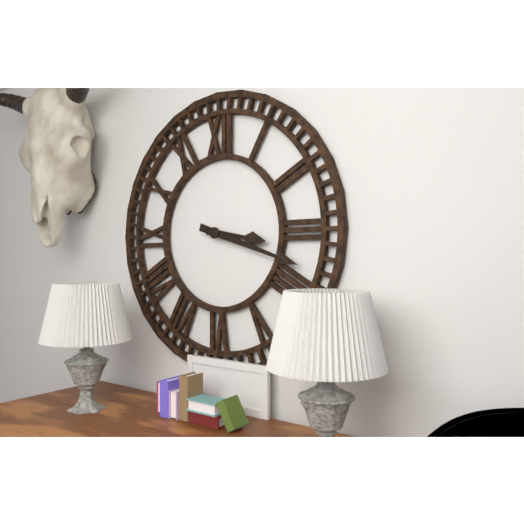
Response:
3h18
